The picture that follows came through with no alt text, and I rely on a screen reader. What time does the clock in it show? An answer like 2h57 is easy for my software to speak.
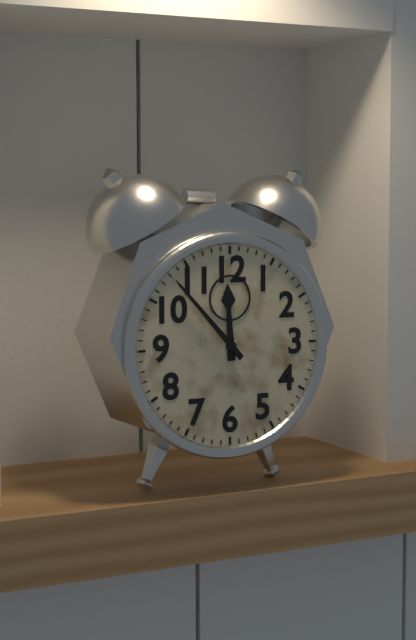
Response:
11h53
